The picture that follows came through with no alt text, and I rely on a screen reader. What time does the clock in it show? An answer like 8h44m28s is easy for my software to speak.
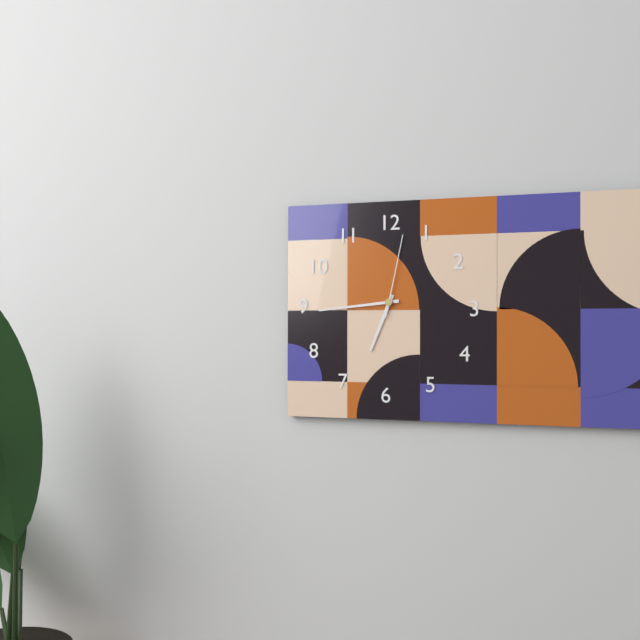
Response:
6h44m02s
